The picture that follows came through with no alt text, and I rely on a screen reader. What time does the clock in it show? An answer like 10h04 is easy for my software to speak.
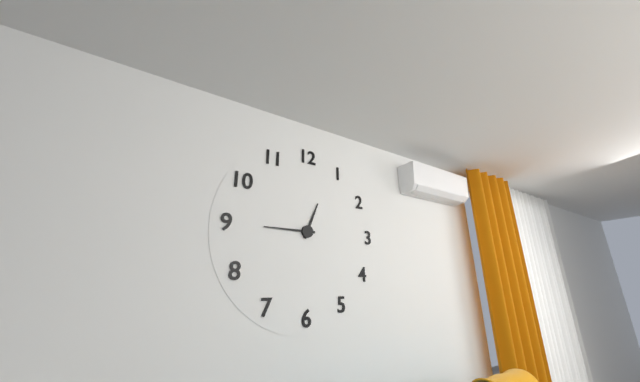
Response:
12h45
